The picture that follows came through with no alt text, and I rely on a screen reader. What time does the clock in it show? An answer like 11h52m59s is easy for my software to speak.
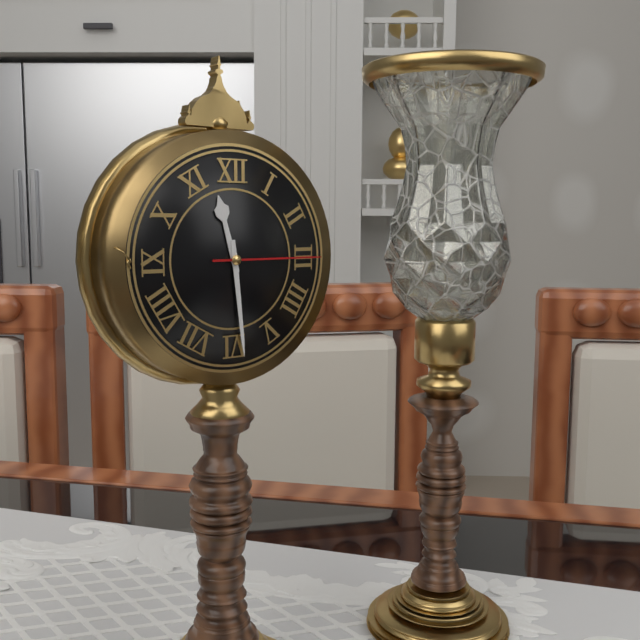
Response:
11h29m15s
